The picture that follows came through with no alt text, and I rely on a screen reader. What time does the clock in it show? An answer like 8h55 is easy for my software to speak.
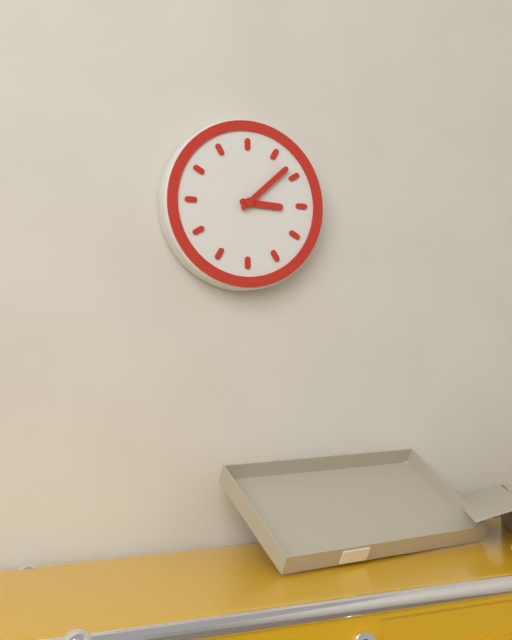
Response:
3h08
